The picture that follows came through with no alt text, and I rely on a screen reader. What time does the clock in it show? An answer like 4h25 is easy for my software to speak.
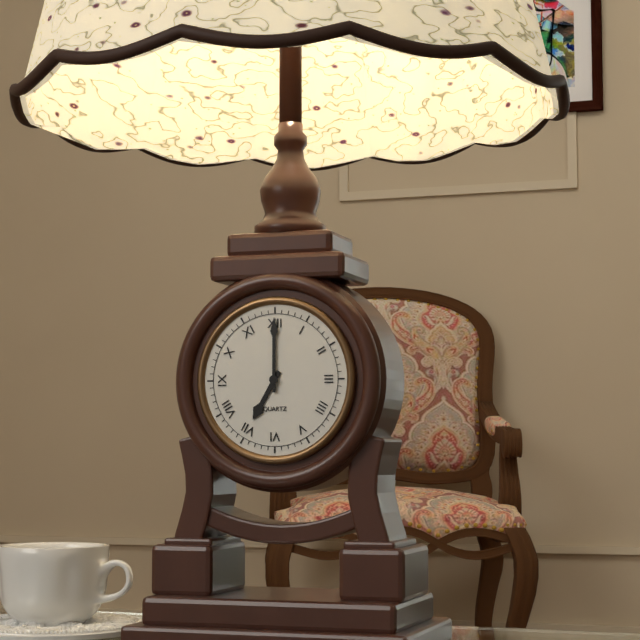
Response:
7h00
